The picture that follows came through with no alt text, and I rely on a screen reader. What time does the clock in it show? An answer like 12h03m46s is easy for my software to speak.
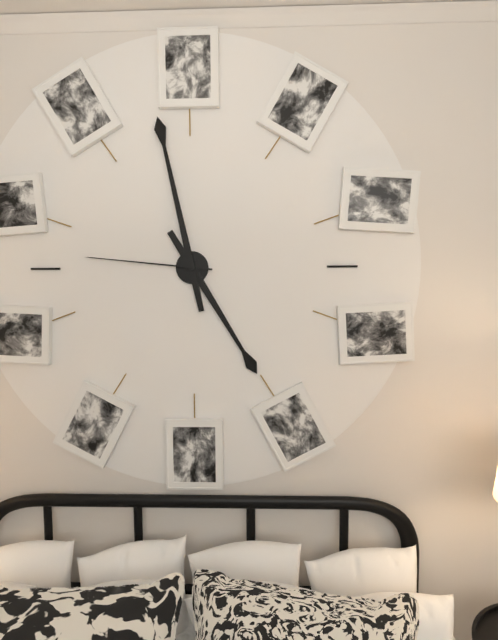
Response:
4h58m46s
